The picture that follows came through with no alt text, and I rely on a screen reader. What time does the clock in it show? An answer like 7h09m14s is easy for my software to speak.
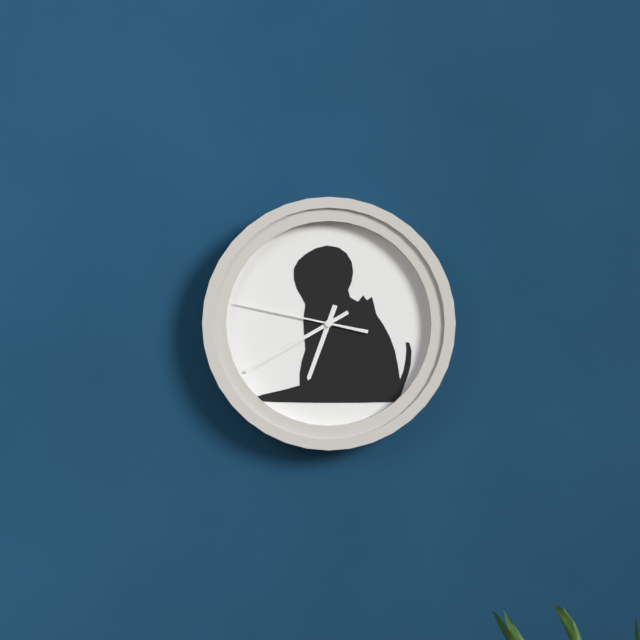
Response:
6h40m47s
